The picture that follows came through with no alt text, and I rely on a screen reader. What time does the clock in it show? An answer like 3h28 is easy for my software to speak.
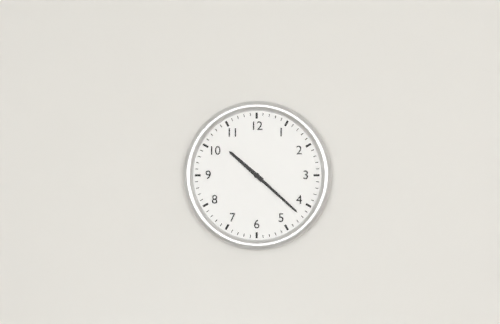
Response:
10h22
